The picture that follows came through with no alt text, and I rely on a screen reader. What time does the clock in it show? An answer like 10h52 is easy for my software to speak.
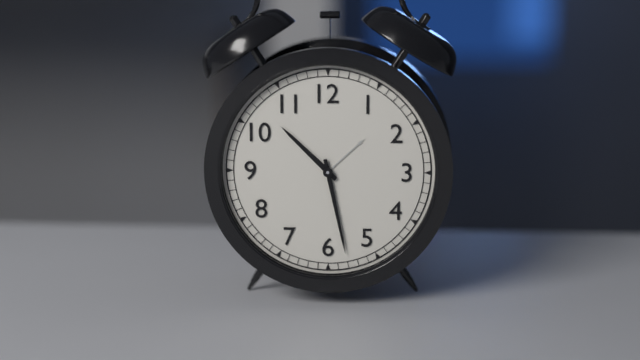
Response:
10h28
